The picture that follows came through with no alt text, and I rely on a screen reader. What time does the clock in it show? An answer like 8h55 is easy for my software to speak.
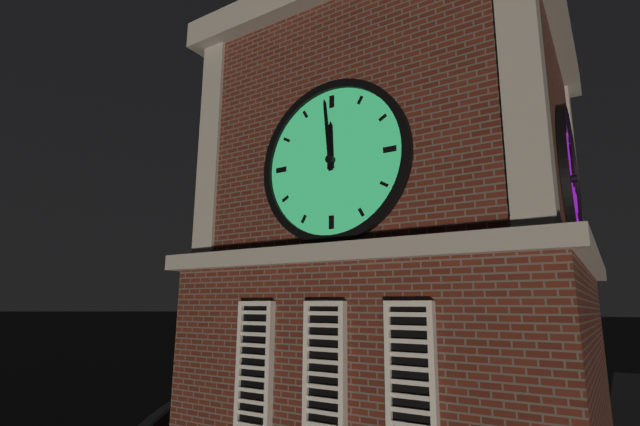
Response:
11h59
